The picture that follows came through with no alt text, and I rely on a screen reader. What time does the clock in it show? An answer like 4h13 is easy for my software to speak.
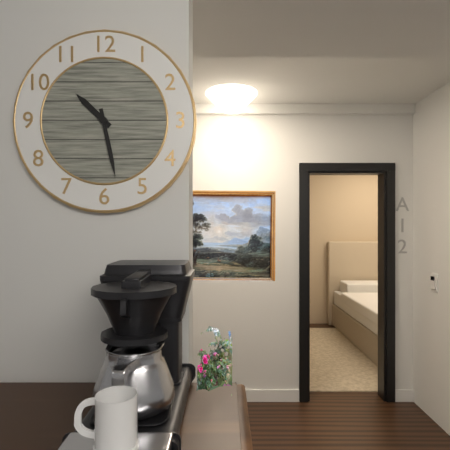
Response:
10h28
